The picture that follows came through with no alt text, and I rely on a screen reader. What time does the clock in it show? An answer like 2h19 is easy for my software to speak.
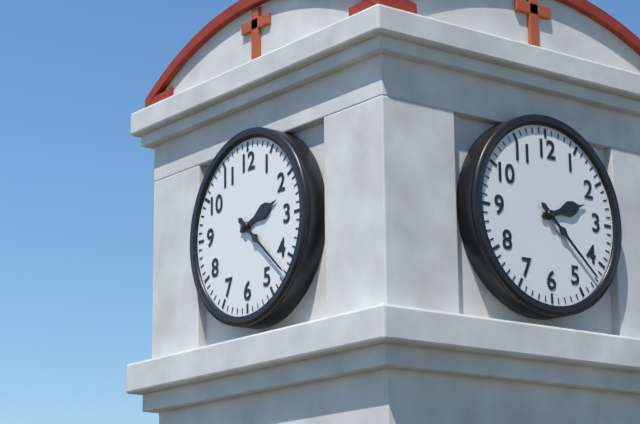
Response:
2h22
